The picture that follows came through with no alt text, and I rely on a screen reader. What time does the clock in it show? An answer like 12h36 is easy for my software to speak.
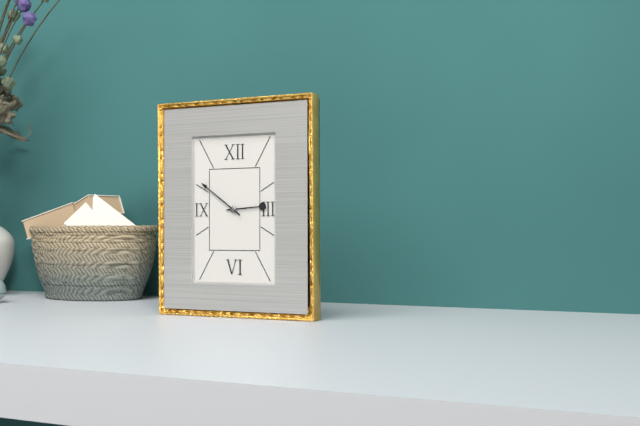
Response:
2h51
